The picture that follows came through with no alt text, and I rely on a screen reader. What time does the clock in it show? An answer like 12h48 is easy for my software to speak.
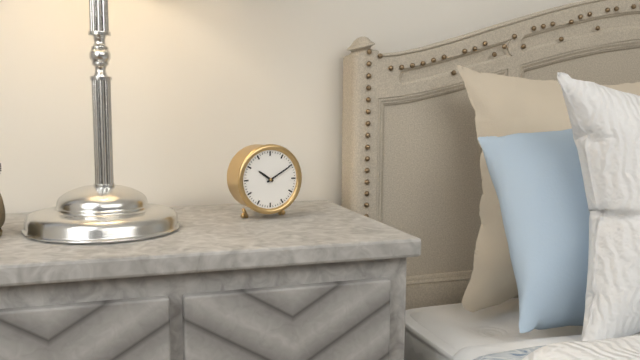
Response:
10h10
